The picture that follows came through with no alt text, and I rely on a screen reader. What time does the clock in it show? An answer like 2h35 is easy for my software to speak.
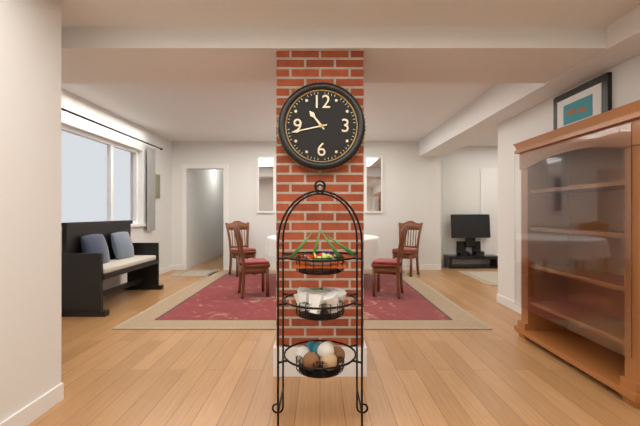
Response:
10h43
